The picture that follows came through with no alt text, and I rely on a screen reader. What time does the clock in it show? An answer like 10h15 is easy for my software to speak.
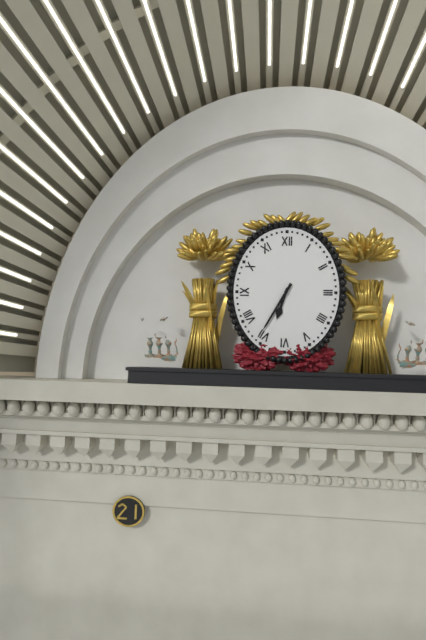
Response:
6h35
